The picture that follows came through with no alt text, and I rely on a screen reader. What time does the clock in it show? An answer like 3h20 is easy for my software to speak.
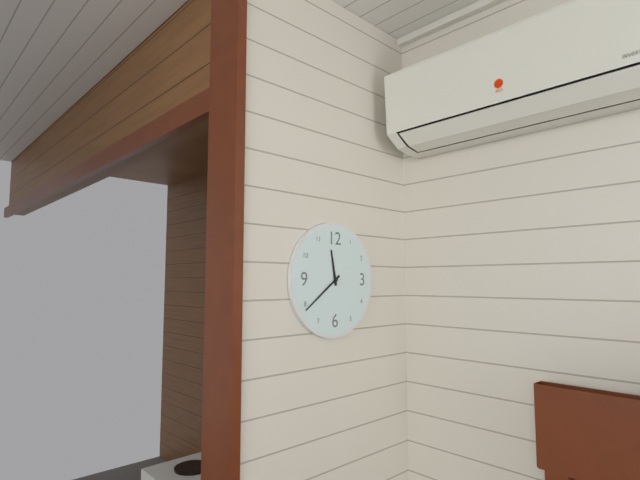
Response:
11h39
